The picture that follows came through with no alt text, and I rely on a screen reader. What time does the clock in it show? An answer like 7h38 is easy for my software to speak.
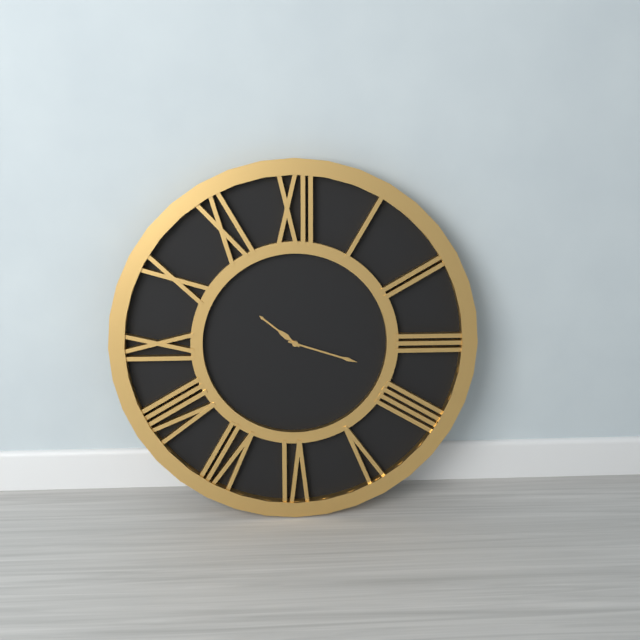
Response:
10h18
